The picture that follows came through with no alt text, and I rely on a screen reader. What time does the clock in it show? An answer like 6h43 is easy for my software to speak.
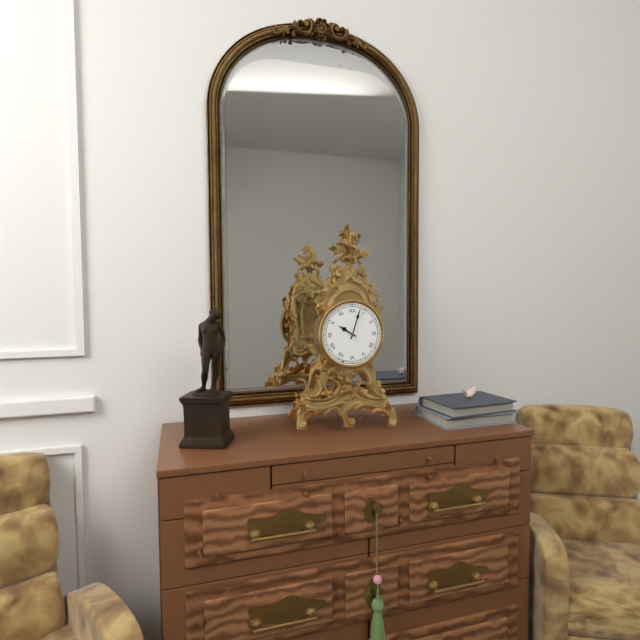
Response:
10h03
